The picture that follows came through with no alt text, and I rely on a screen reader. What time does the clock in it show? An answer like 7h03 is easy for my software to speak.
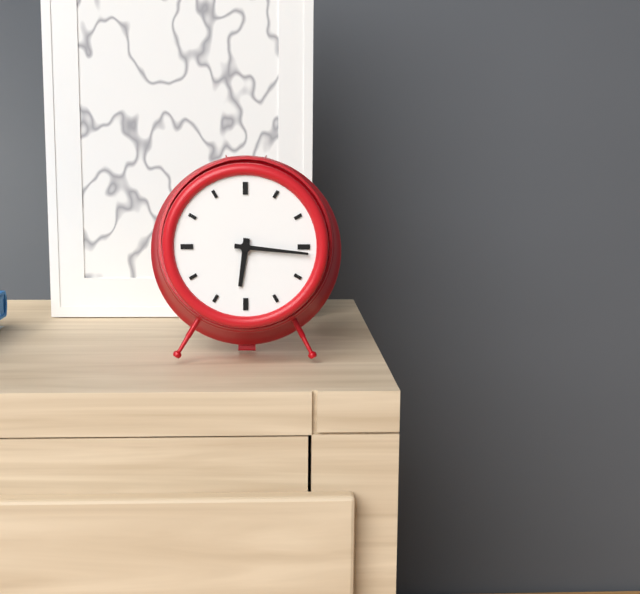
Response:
6h16
